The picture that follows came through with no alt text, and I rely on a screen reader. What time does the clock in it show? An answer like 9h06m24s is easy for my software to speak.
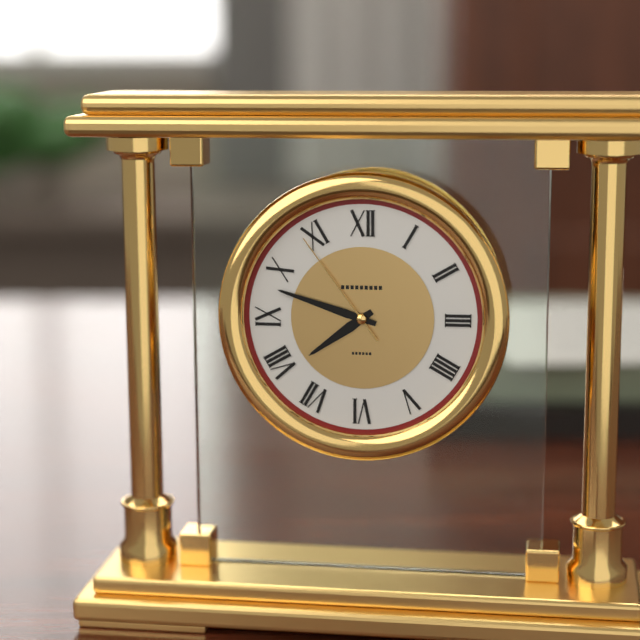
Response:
7h48m54s
